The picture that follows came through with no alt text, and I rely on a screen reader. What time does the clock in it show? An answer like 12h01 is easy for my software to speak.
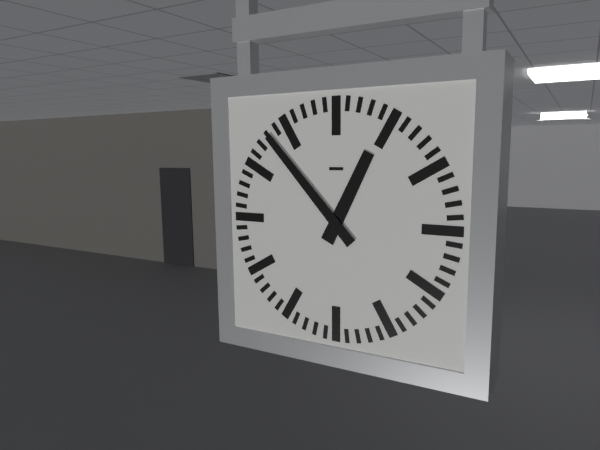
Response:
12h53
